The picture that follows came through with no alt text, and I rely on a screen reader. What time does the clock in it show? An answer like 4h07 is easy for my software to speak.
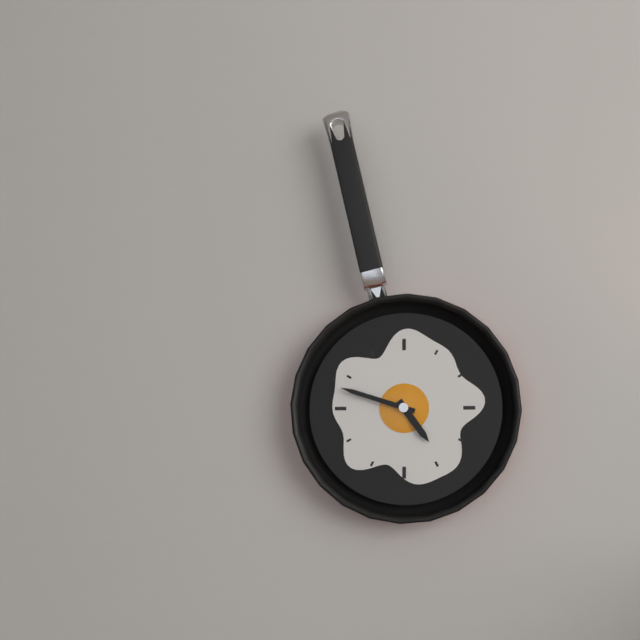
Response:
4h48
